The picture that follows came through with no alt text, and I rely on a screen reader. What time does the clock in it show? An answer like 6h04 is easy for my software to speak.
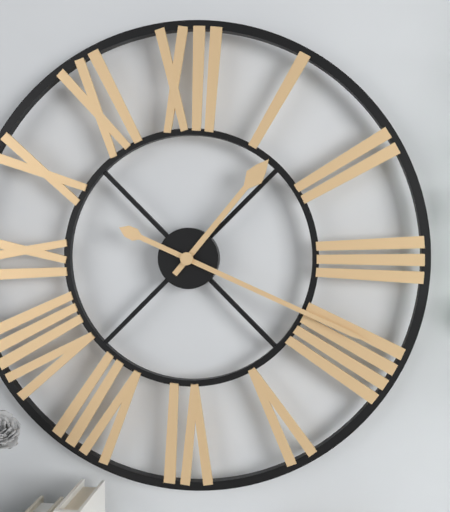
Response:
1h19
